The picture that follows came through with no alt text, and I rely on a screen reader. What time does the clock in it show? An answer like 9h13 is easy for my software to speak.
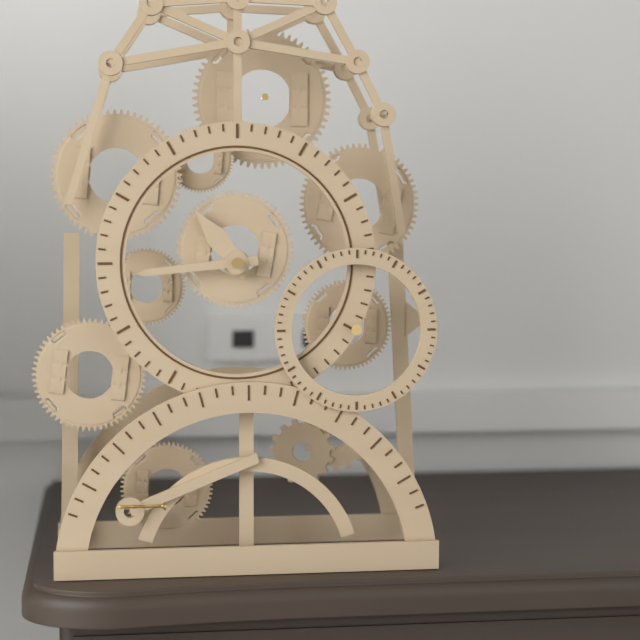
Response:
10h44
